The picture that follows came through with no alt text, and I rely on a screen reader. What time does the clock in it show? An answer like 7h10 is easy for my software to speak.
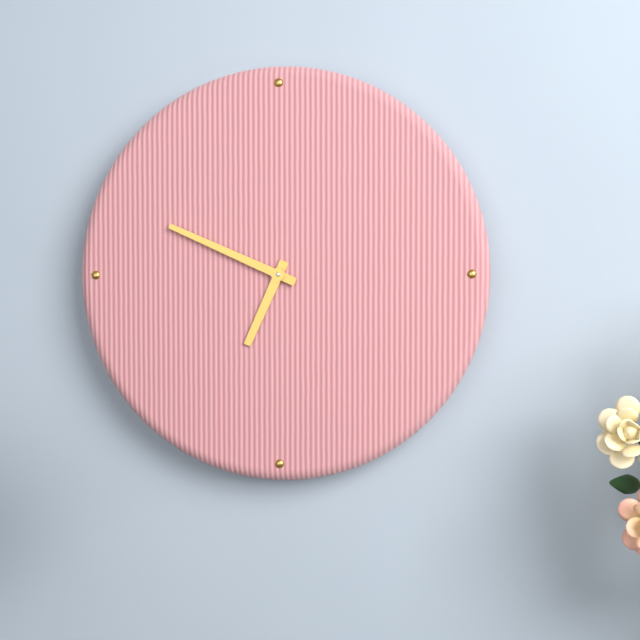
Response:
6h49
